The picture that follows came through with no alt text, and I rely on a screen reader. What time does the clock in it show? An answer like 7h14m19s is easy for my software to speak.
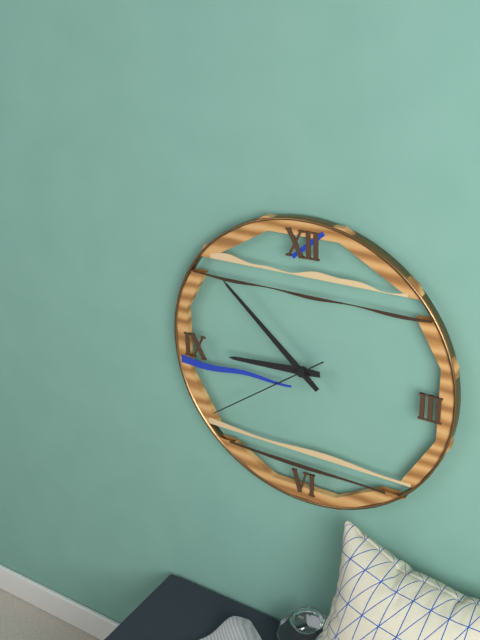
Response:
8h52m39s
